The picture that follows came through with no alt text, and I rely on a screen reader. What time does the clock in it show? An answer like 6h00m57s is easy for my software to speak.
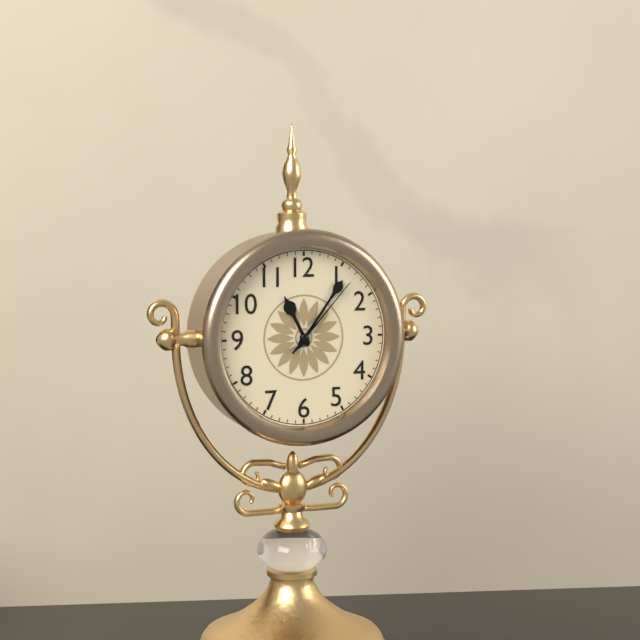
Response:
11h06m07s
